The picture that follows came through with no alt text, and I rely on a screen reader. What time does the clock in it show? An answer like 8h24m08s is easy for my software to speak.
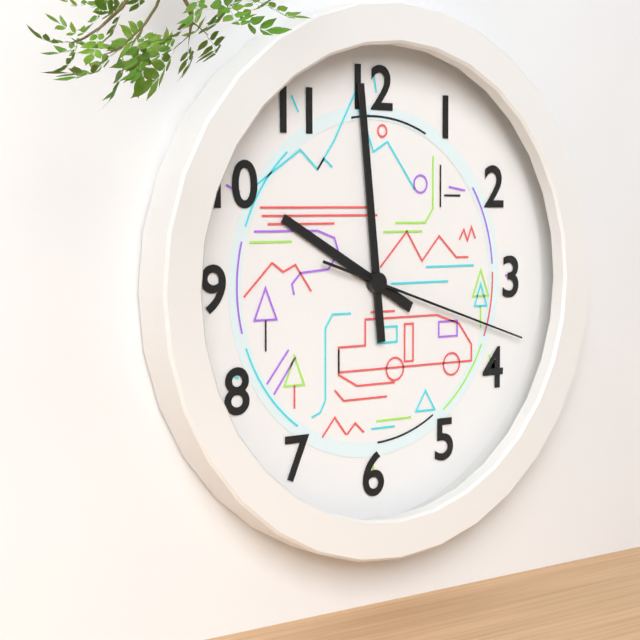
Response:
9h59m18s
